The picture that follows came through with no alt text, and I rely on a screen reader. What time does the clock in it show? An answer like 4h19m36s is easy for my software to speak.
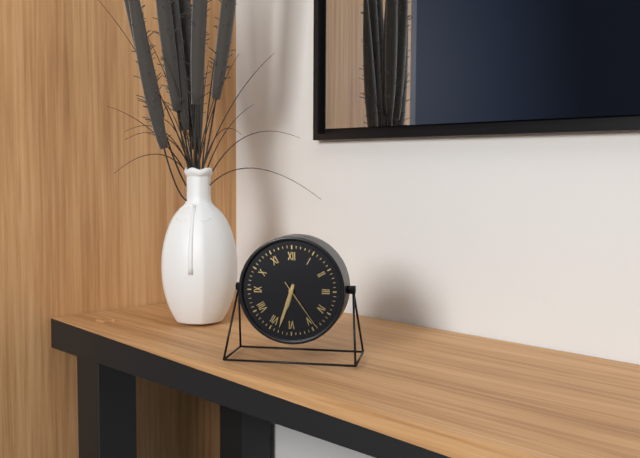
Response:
6h33m24s
